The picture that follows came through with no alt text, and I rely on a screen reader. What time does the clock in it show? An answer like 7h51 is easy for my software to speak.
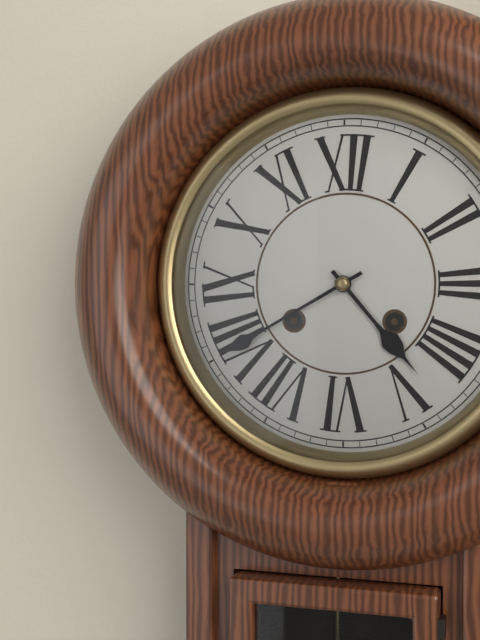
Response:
4h40
